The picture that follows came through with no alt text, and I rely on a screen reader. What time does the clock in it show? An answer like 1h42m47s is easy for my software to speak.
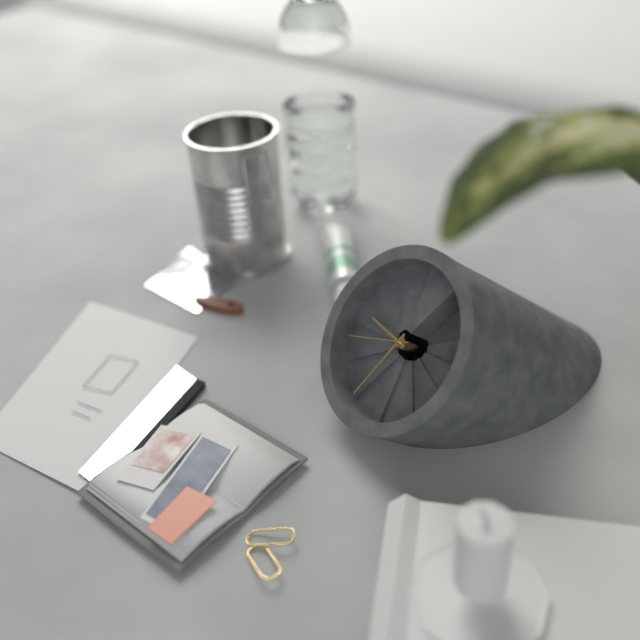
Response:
8h29m38s
